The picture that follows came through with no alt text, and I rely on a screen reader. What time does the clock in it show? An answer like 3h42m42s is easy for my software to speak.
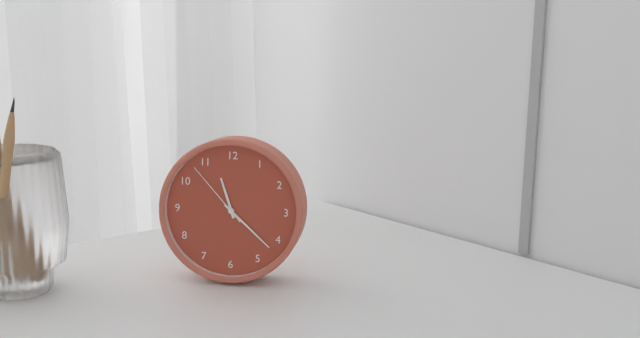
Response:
11h22m53s
